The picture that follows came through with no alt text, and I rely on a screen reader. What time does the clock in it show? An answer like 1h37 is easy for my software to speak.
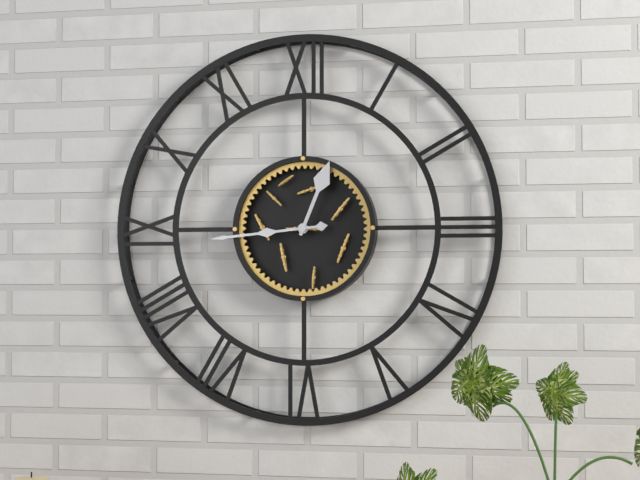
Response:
12h44
